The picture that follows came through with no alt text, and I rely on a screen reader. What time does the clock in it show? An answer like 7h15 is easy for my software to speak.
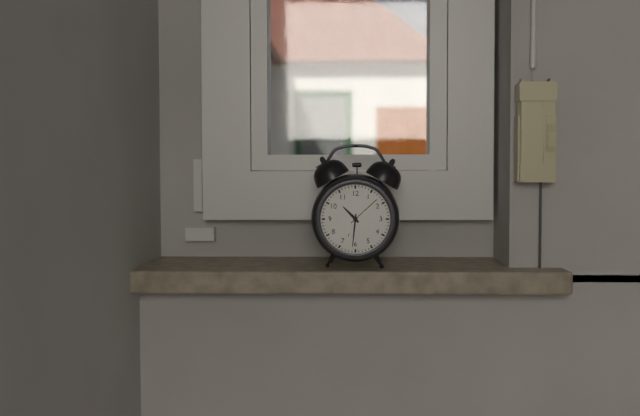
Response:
10h31
